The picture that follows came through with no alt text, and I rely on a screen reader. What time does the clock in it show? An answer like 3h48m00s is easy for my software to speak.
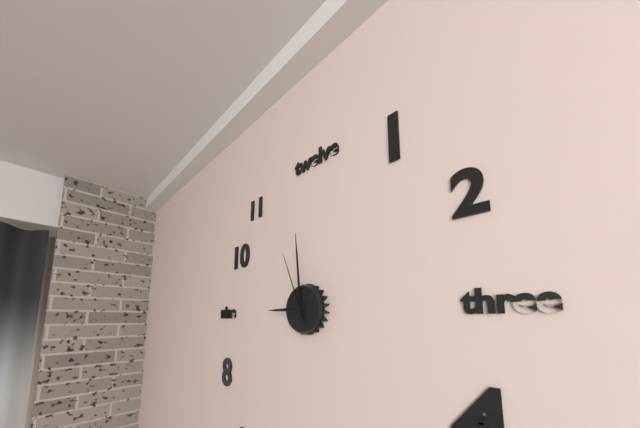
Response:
8h59m56s
